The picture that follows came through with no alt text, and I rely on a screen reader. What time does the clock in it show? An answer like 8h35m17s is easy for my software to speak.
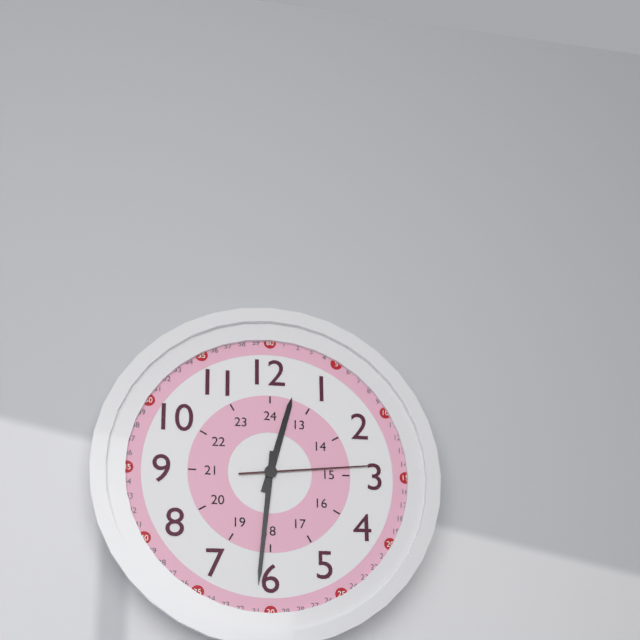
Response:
12h31m14s
